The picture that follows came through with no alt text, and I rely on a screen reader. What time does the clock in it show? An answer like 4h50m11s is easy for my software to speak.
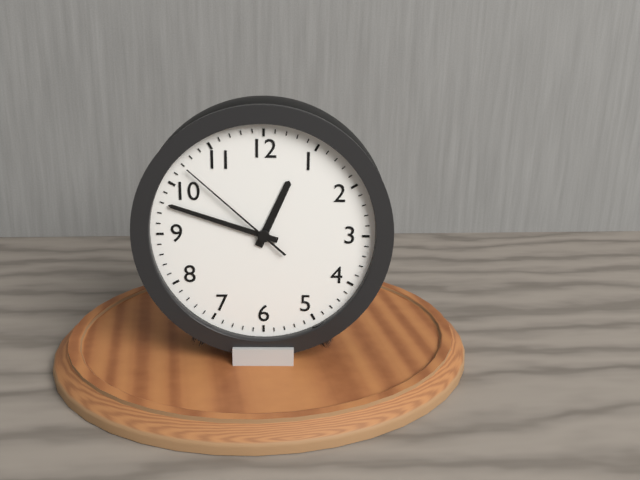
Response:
12h48m52s
